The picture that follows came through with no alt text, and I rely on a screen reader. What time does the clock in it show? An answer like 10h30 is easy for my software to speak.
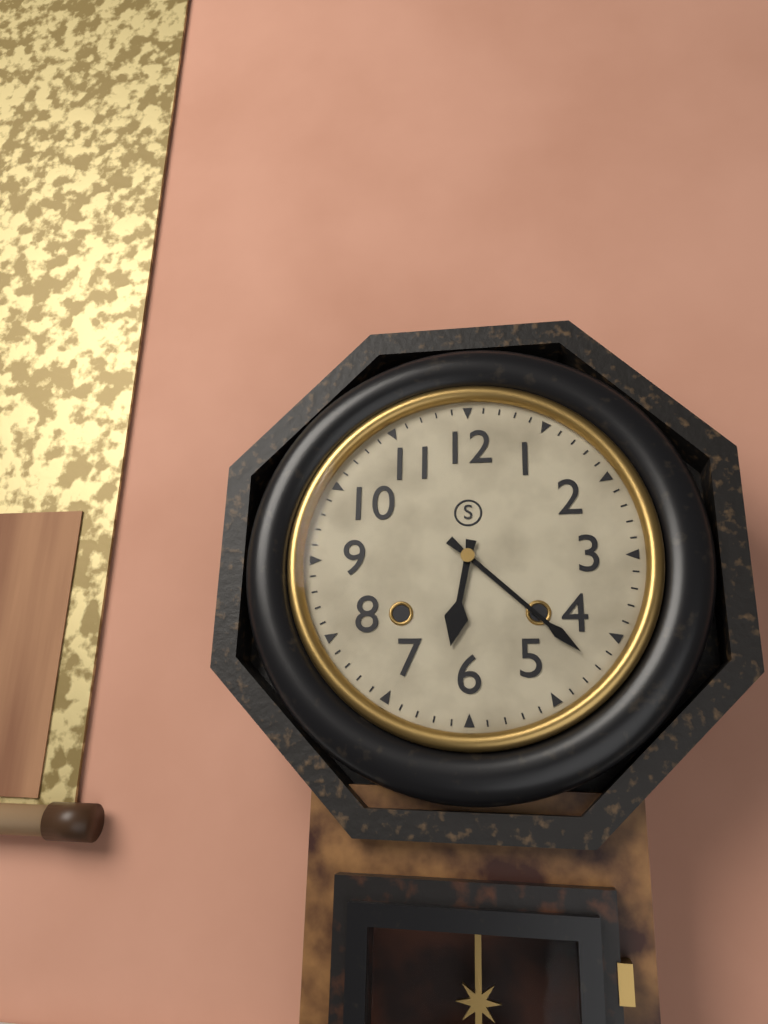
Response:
6h22
